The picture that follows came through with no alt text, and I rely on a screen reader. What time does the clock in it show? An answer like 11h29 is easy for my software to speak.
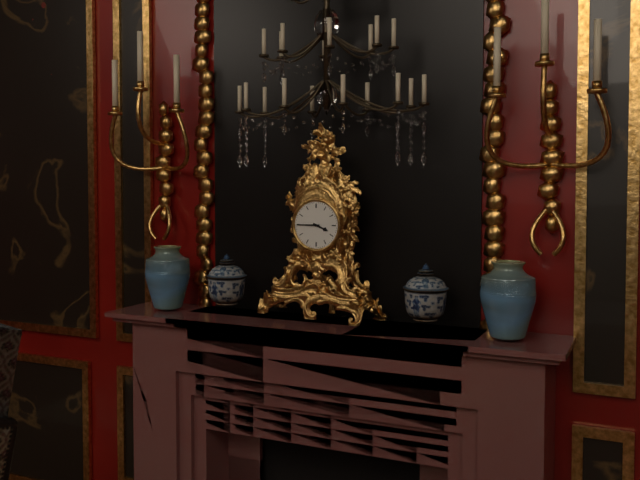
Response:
3h45
